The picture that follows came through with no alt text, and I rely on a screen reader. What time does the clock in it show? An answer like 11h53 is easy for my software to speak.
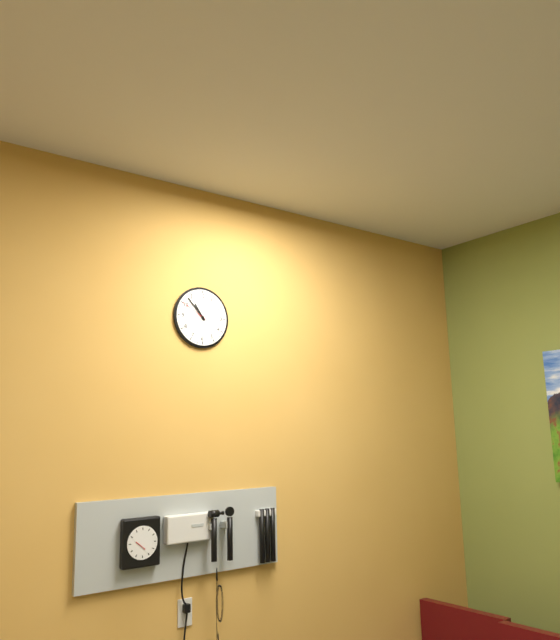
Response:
10h53
